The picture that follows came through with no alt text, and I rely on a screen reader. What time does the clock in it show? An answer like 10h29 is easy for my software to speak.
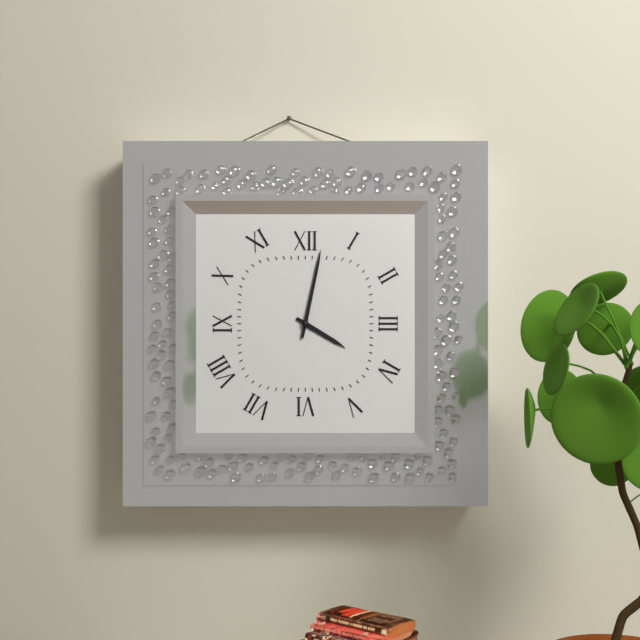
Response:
4h02
